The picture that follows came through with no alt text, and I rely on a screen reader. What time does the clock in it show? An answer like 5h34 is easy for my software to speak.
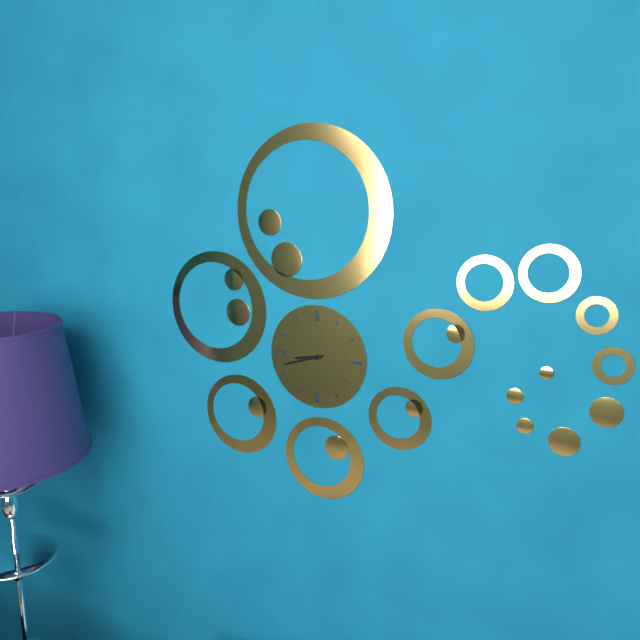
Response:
8h42
